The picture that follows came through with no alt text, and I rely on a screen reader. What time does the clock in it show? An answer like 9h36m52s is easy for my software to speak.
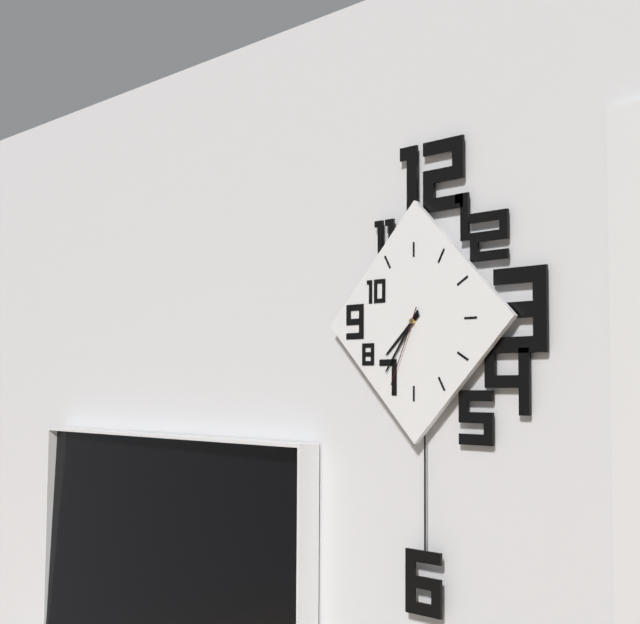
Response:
7h36m34s
